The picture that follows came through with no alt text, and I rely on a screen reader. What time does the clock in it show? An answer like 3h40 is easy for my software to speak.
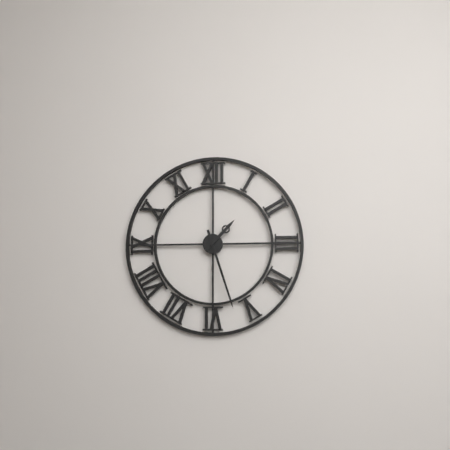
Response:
1h27
